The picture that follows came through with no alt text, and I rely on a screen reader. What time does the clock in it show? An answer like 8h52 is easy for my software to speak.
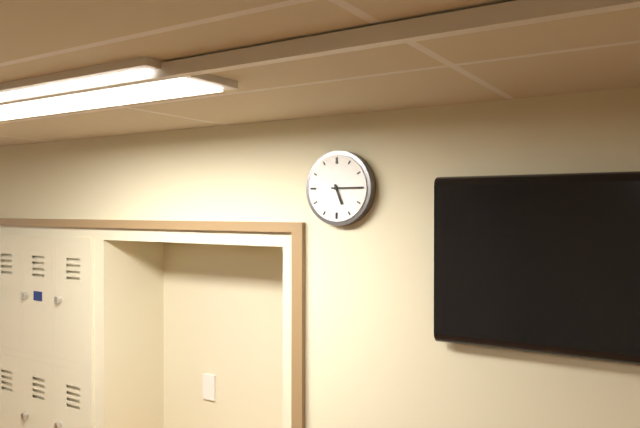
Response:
5h15
